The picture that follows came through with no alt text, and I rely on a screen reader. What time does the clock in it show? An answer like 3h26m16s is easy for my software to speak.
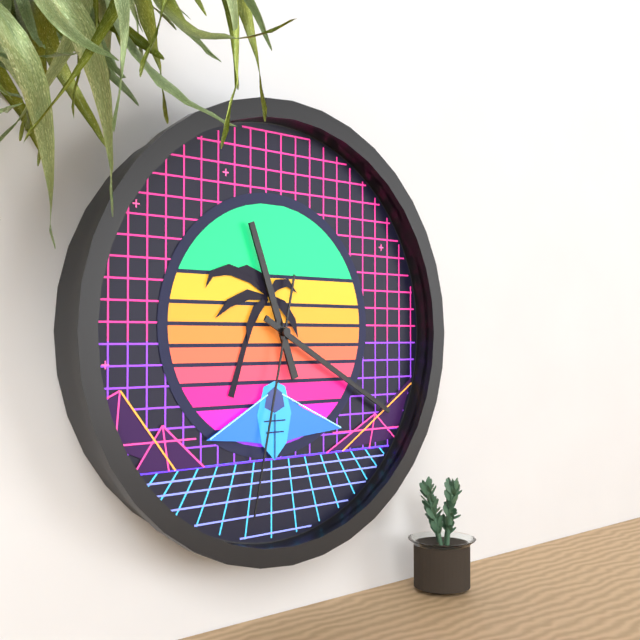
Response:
11h20m32s
